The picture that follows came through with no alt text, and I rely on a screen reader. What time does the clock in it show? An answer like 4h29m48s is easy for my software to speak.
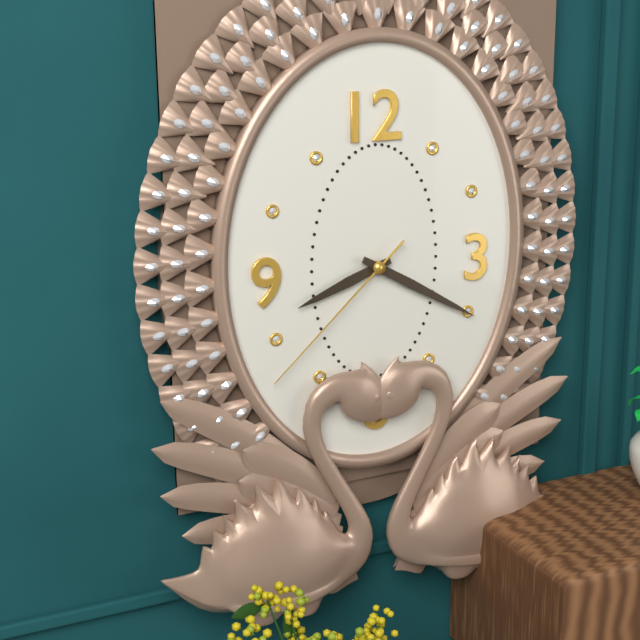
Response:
8h20m38s
